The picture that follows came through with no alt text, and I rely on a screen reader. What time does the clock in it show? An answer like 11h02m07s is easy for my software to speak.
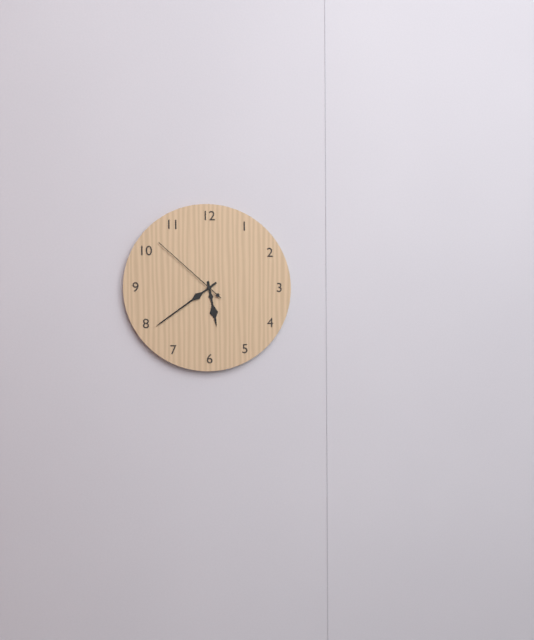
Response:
5h39m52s
